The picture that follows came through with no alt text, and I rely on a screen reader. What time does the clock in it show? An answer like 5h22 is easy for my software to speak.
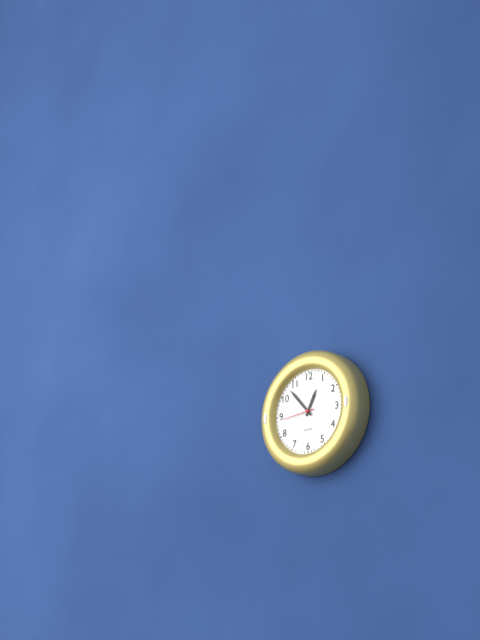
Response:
12h53
